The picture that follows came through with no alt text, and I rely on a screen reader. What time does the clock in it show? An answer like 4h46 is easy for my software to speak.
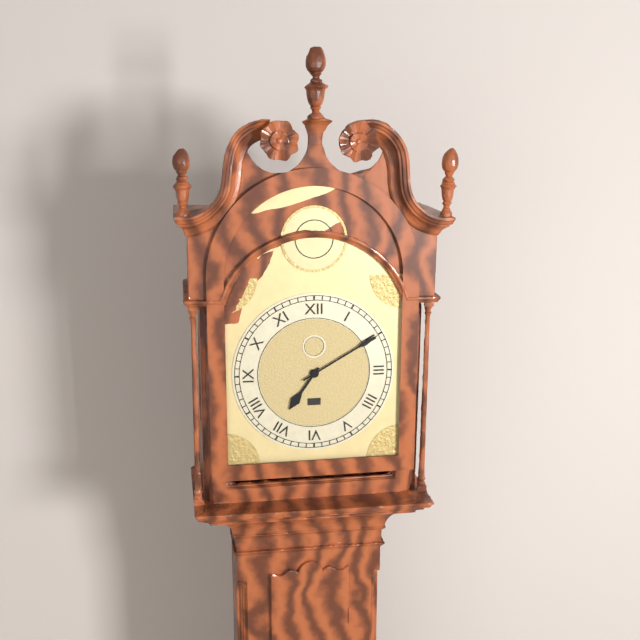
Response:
7h10
